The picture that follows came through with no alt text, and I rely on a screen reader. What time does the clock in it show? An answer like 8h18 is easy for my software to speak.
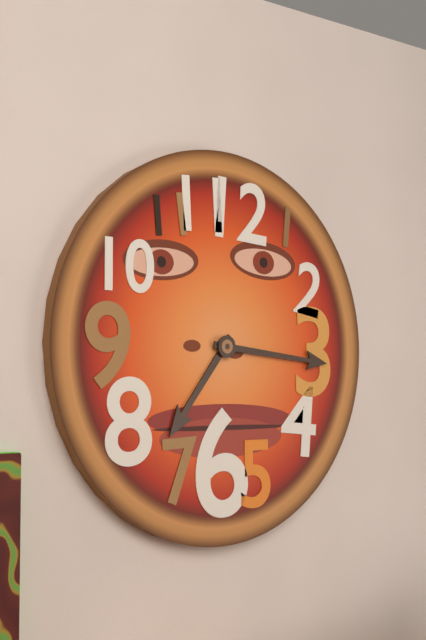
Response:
7h16
